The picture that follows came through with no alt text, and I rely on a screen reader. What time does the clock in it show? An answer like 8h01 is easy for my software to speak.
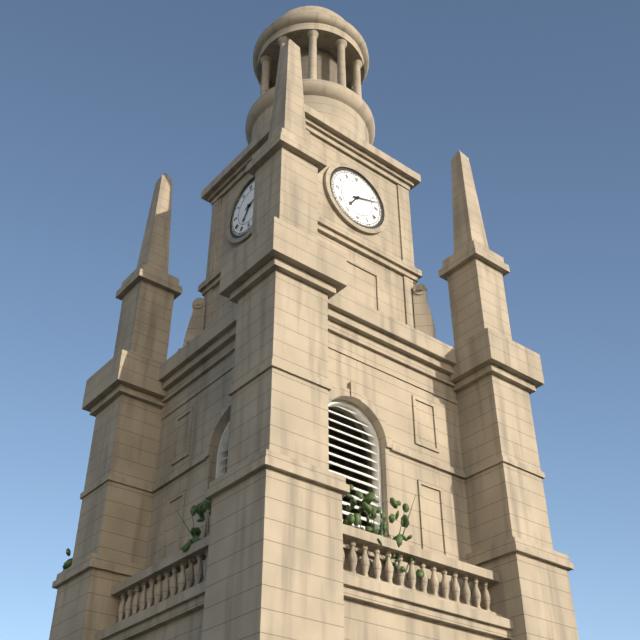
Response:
7h12
